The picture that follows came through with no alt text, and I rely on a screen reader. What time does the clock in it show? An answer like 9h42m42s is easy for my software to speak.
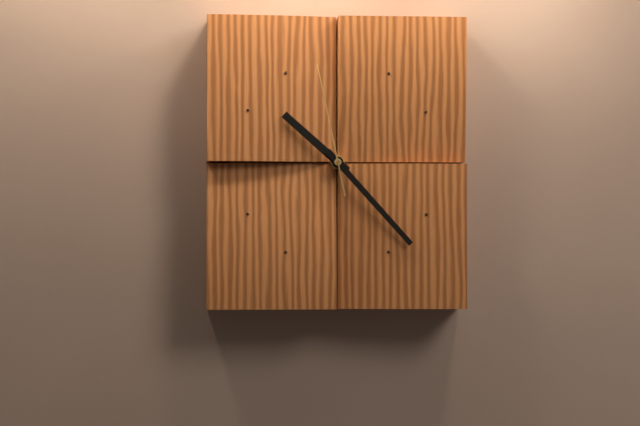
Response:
10h23m58s
